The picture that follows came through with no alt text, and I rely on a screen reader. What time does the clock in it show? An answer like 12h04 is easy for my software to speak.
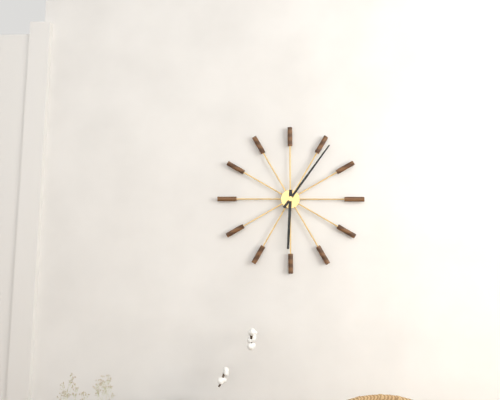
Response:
6h06
